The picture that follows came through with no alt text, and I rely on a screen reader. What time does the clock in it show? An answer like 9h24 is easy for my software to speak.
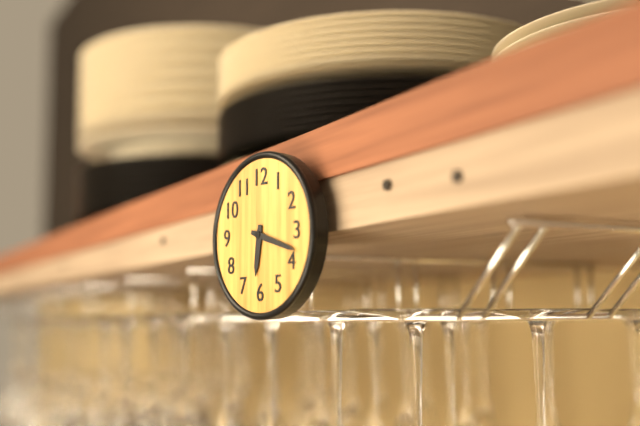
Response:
6h18
